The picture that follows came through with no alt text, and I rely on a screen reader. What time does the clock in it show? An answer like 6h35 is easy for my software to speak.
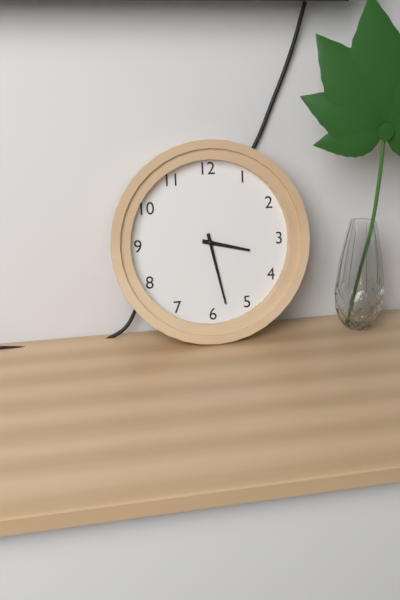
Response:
3h28
